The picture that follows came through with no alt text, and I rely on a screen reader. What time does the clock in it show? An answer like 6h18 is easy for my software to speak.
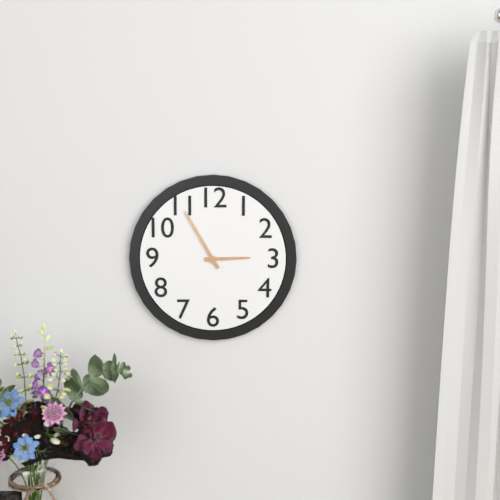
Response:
2h55
